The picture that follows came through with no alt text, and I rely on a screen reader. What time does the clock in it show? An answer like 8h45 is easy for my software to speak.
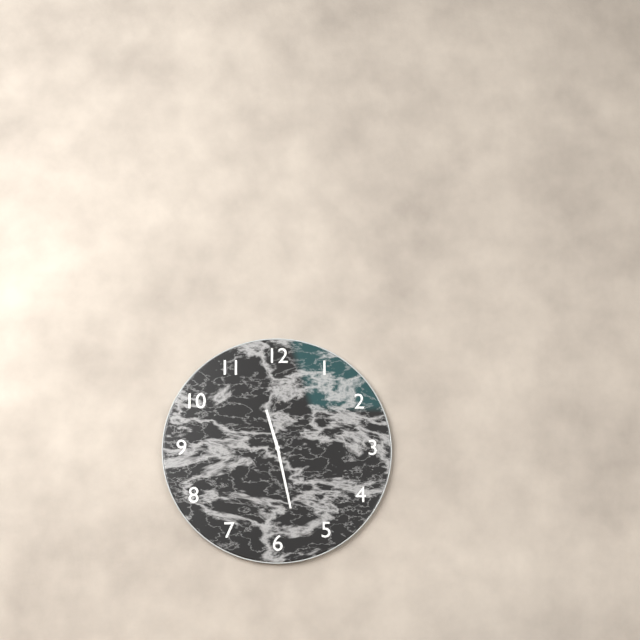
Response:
11h28
